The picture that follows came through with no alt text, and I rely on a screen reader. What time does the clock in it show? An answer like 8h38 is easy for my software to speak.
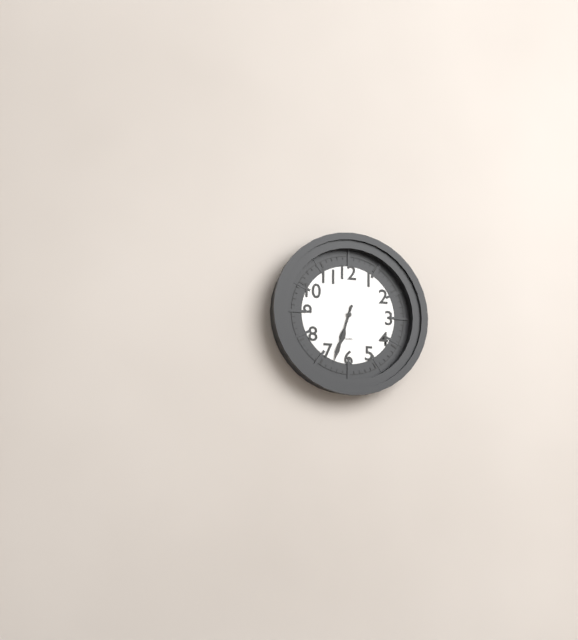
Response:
6h33
